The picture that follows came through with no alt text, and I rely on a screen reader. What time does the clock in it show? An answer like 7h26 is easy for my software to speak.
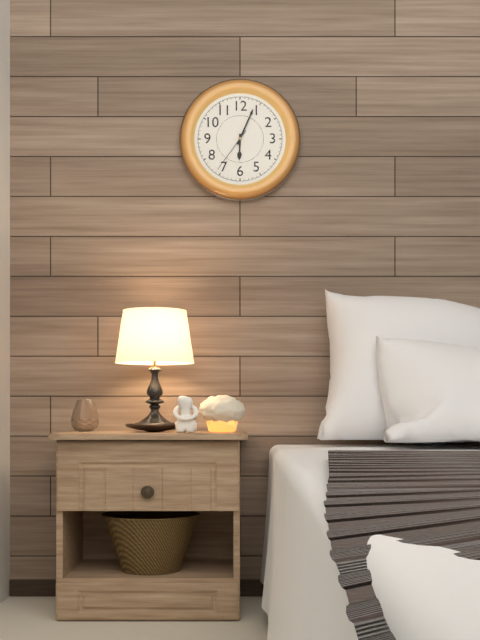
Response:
6h04
